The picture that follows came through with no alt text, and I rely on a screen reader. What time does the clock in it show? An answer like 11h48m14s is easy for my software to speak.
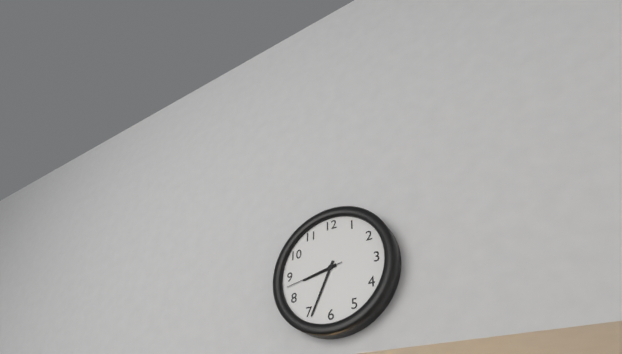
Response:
8h34m43s
